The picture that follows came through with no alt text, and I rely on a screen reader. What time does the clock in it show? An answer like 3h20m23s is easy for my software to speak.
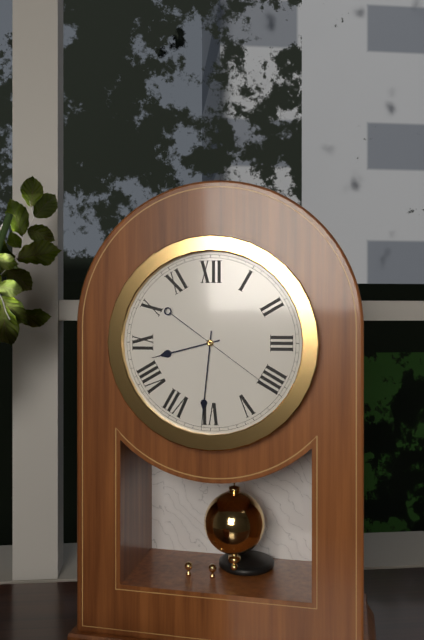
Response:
8h31m21s
